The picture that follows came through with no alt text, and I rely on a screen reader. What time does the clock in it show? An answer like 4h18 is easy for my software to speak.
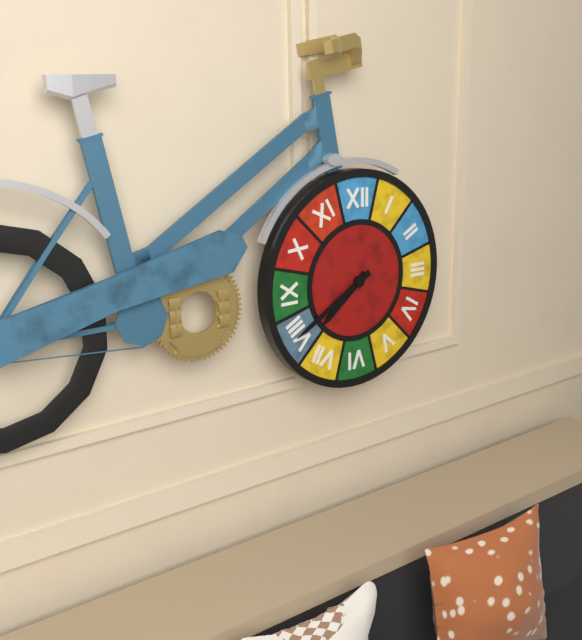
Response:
7h40
